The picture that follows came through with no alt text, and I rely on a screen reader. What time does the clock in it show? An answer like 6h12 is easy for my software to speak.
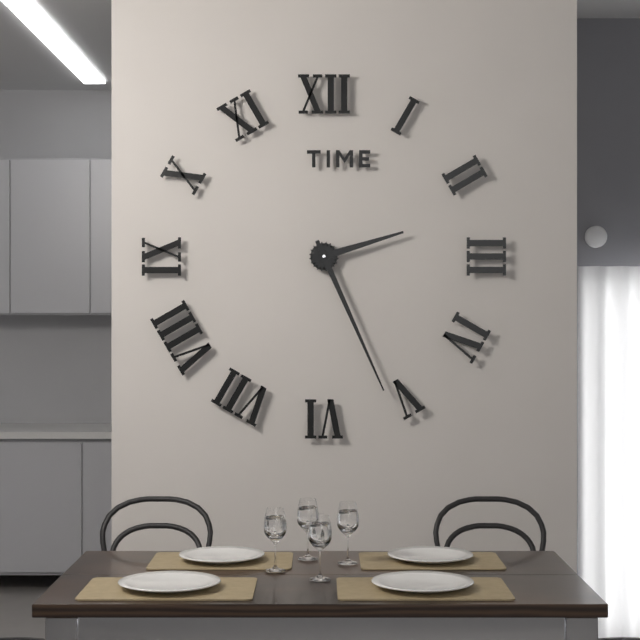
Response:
2h26
